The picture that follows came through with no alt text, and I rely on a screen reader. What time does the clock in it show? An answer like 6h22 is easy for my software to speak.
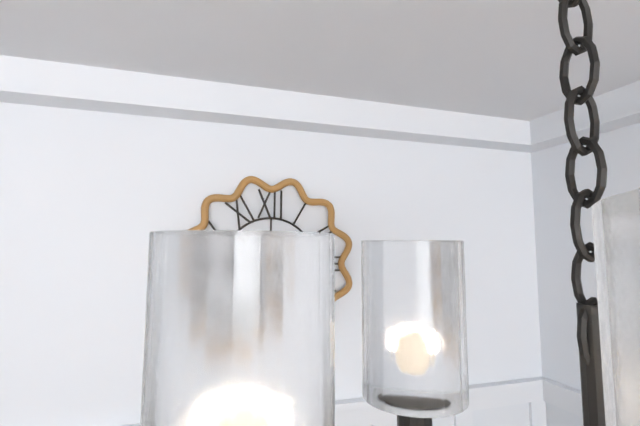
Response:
12h32
